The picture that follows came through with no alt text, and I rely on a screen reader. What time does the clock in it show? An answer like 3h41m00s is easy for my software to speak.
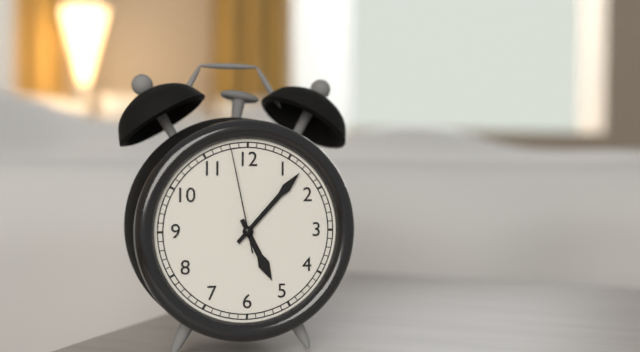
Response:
5h07m58s
